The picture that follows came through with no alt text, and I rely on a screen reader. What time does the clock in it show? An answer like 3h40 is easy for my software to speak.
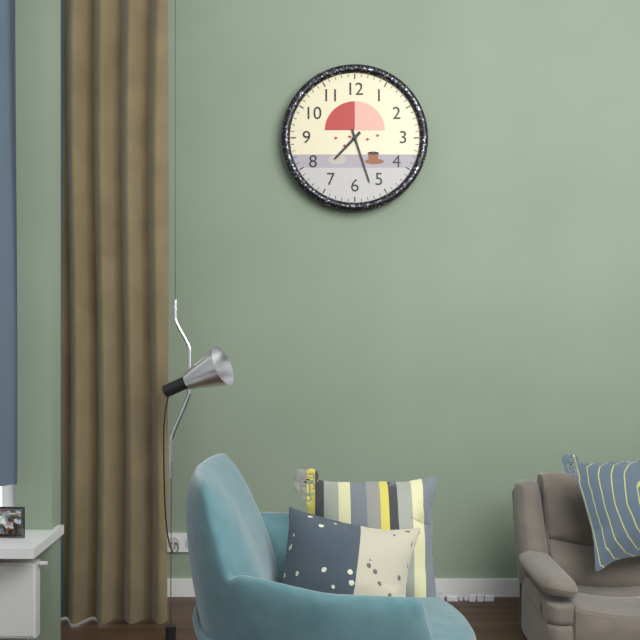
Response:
7h27
